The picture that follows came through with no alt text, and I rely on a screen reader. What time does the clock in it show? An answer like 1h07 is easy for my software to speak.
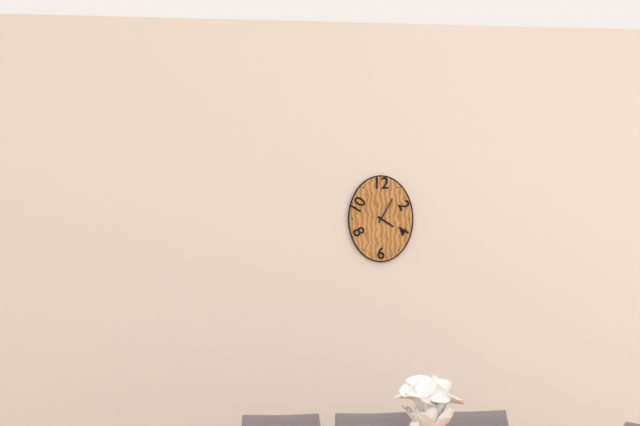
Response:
4h05
